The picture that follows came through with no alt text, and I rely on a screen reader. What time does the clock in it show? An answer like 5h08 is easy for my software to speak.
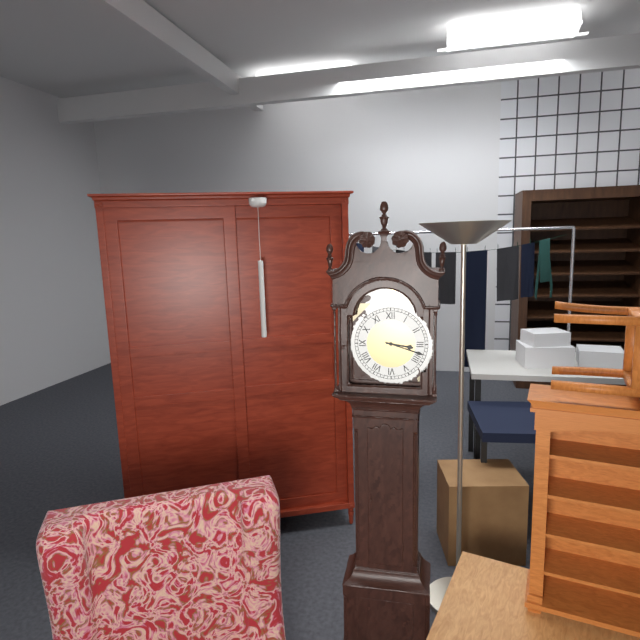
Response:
3h18
